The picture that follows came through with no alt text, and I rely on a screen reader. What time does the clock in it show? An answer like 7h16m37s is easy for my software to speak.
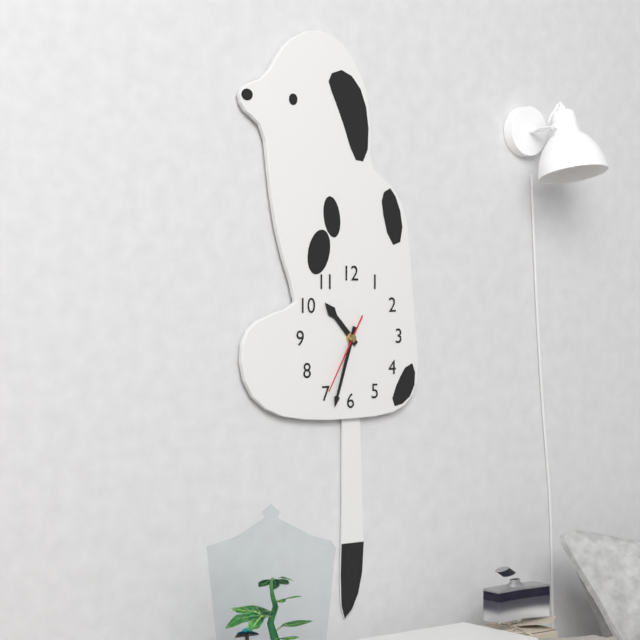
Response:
10h33m35s
